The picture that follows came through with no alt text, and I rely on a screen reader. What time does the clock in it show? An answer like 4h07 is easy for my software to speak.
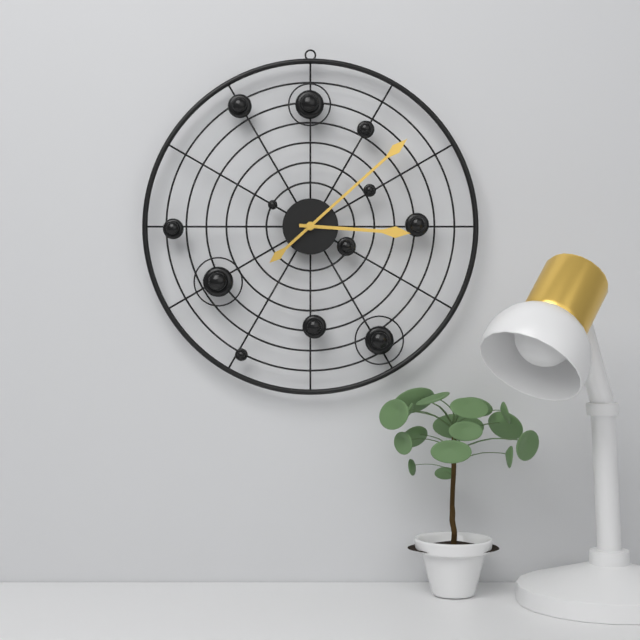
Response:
3h08
